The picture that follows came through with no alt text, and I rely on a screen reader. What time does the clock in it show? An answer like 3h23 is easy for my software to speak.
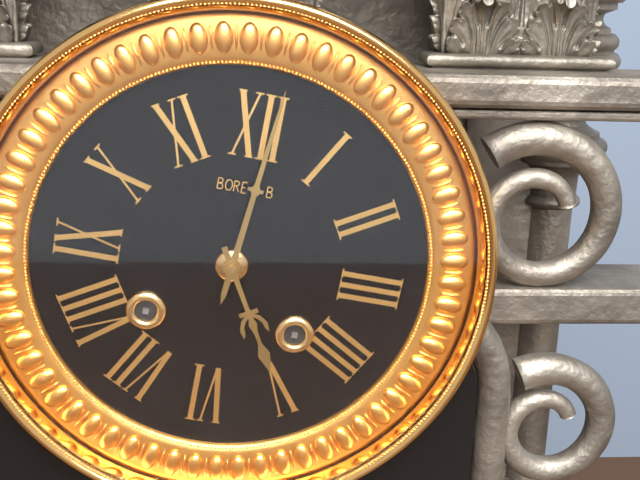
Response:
5h01
